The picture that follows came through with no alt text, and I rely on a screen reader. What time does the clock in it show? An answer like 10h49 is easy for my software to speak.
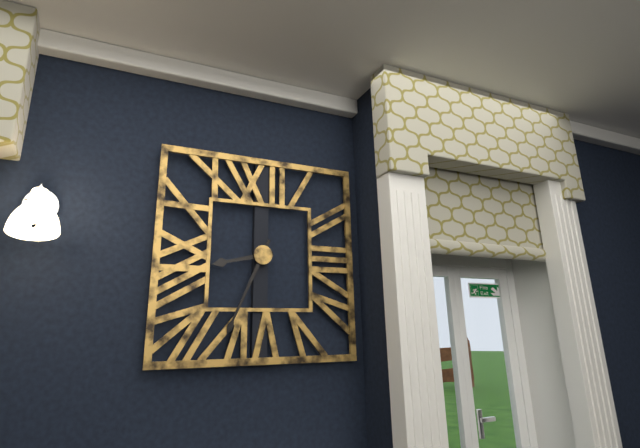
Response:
8h34
